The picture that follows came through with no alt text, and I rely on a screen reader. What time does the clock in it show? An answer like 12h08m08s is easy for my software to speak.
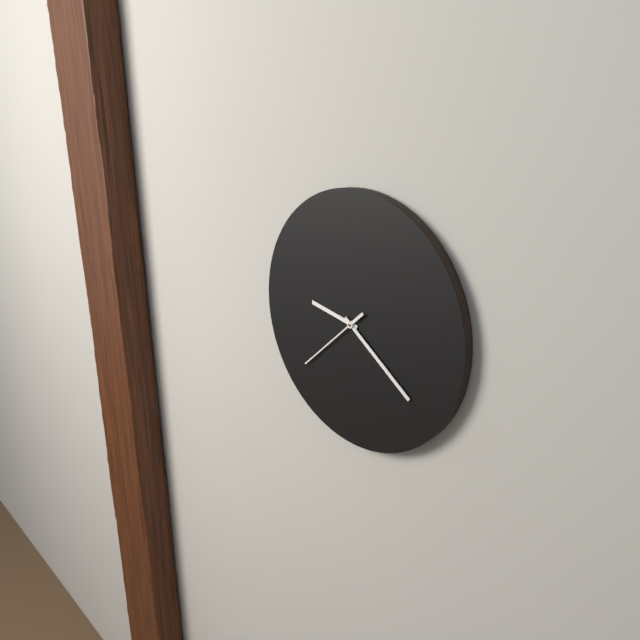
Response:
9h21m38s
